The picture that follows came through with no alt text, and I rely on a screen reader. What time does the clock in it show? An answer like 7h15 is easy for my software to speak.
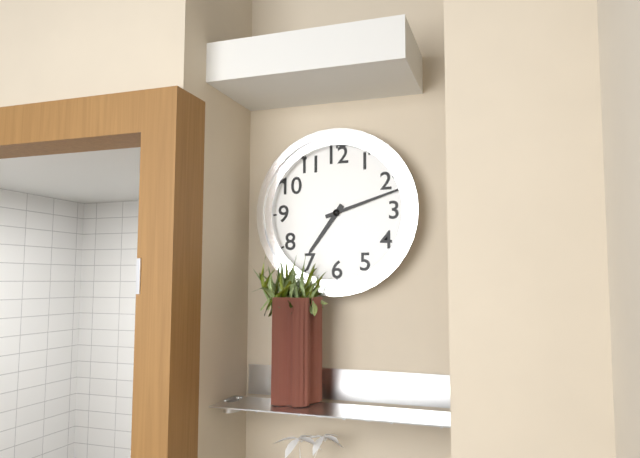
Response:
7h12
